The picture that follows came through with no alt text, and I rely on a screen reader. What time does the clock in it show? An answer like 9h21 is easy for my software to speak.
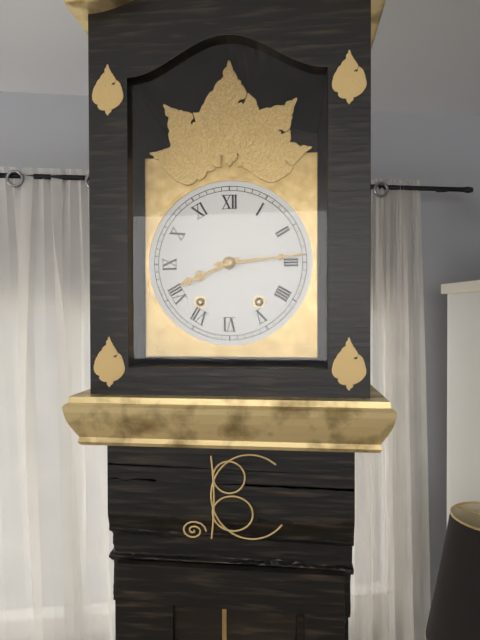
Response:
8h14
